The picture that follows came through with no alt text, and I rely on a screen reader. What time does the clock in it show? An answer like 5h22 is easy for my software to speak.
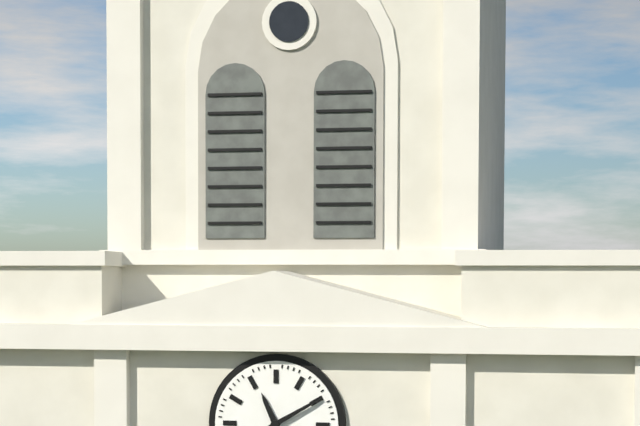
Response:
11h10
